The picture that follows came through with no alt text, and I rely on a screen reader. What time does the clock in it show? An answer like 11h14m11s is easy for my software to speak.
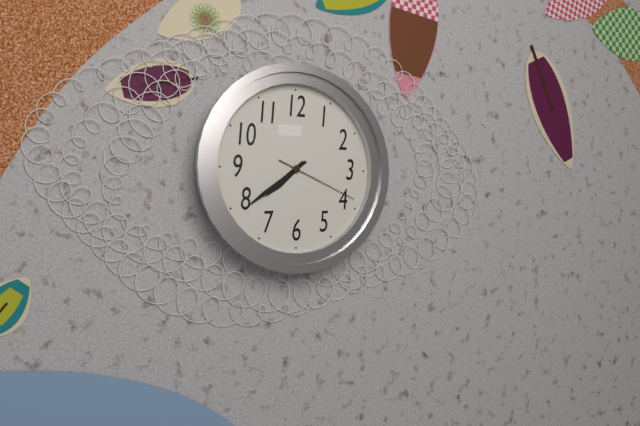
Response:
7h39m19s
